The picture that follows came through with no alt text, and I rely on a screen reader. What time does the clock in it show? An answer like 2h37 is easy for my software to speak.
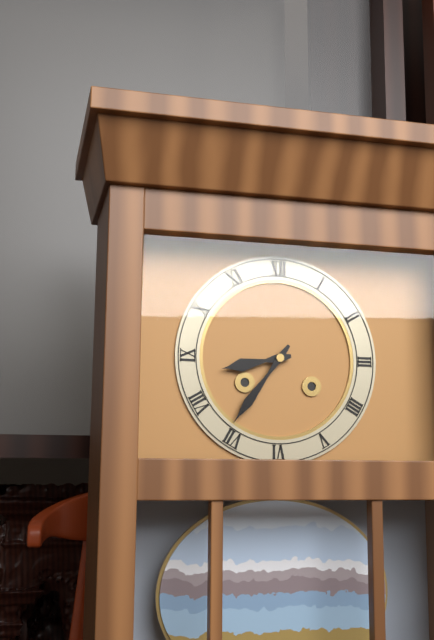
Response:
8h36
